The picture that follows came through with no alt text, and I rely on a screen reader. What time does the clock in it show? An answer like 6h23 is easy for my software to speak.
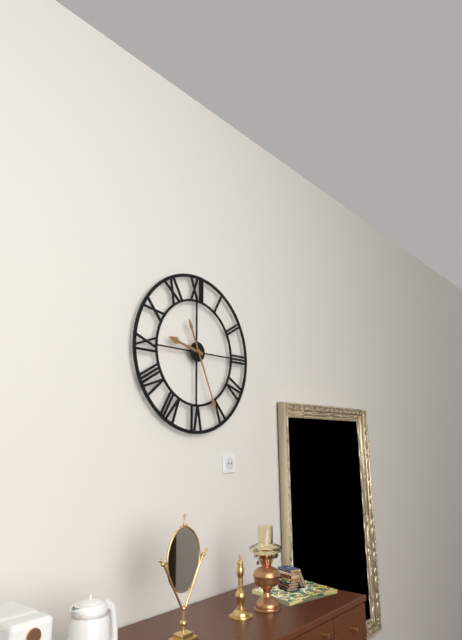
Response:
9h26
